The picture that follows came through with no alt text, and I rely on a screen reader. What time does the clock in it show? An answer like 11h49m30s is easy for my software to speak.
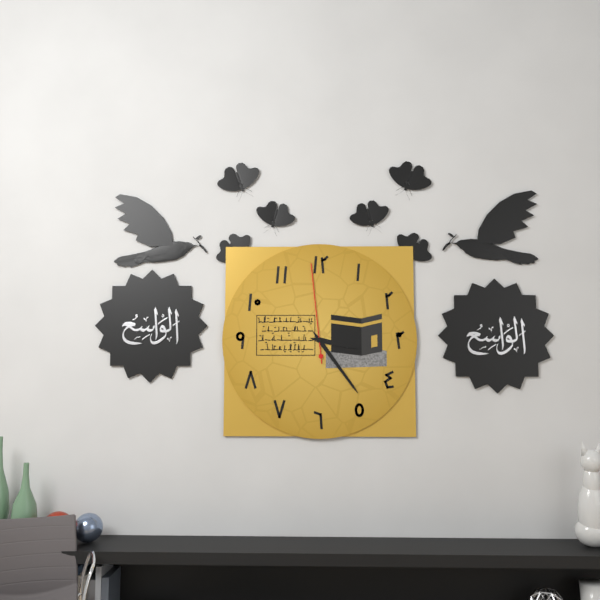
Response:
3h24m59s
